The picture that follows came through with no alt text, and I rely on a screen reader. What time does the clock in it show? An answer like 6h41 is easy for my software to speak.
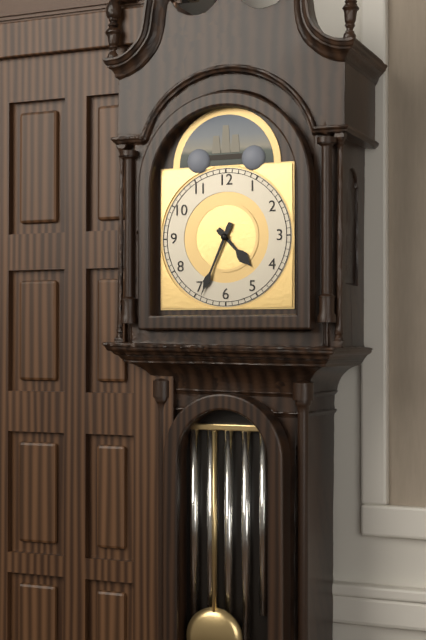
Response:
4h34
